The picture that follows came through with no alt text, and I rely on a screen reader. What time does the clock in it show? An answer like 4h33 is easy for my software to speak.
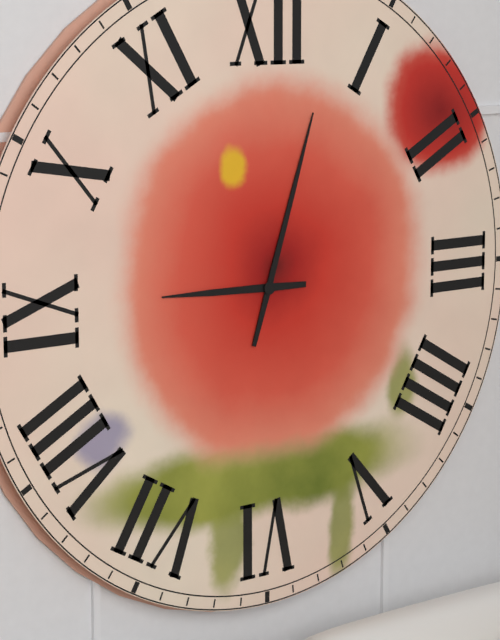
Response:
9h03
